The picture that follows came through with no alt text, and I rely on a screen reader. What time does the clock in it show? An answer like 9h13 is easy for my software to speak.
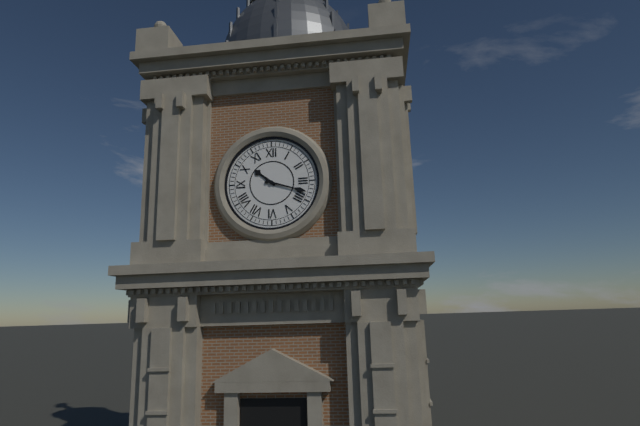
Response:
10h18
